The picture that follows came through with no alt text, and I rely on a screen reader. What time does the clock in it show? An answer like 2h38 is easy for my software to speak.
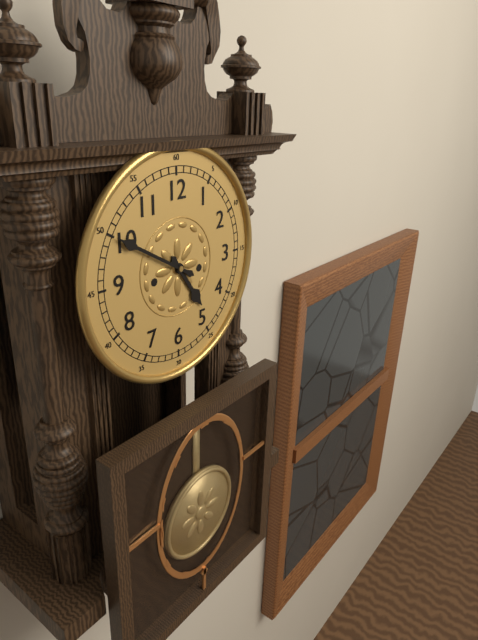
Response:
4h50
